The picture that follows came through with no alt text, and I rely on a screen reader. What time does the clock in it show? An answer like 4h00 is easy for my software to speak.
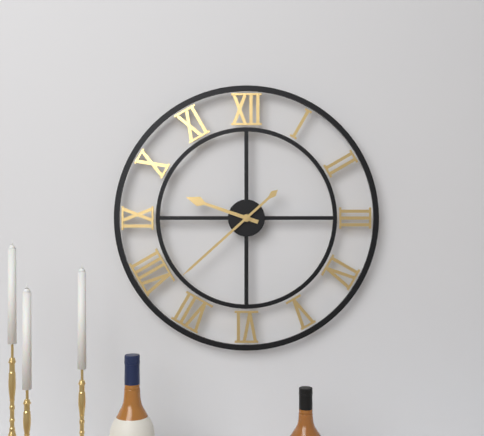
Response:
9h38
